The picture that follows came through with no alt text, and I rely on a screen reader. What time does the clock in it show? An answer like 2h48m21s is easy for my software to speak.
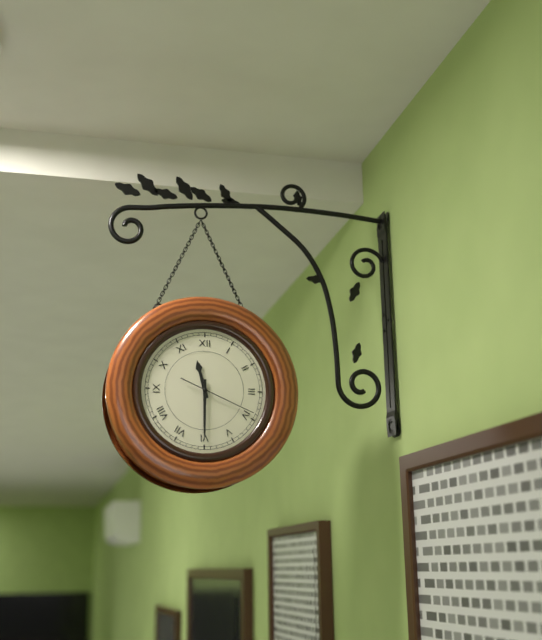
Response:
11h30m19s
